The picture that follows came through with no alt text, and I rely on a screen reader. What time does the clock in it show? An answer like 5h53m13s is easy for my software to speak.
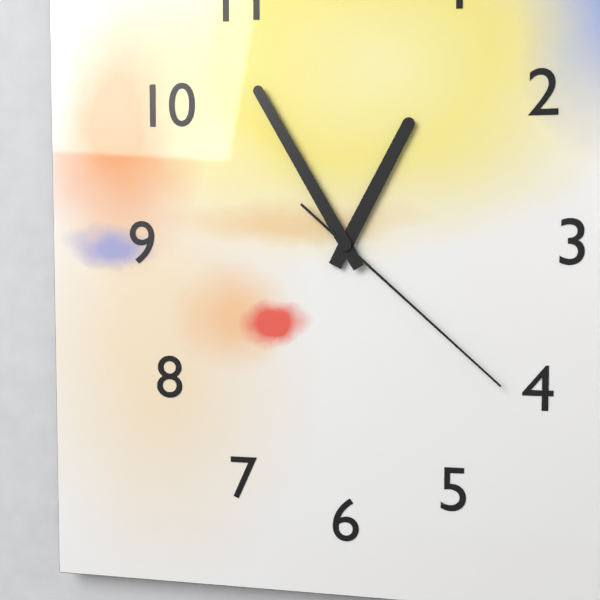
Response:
12h55m22s
